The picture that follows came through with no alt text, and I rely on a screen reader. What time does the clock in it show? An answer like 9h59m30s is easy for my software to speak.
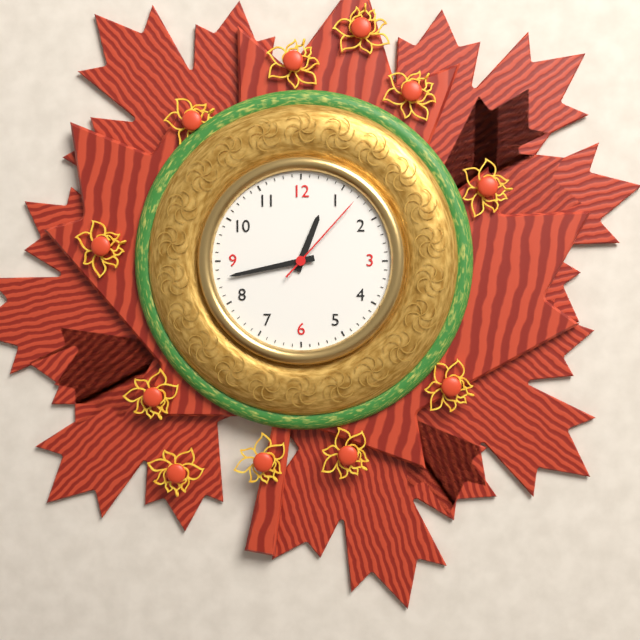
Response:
12h43m07s
